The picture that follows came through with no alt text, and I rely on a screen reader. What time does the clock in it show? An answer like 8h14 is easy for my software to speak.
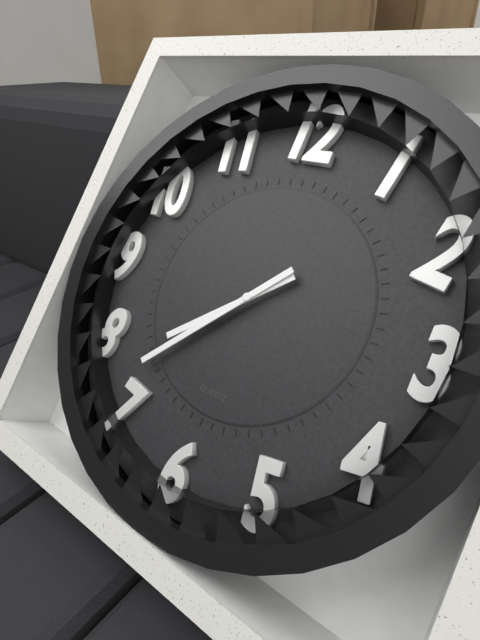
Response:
7h37
